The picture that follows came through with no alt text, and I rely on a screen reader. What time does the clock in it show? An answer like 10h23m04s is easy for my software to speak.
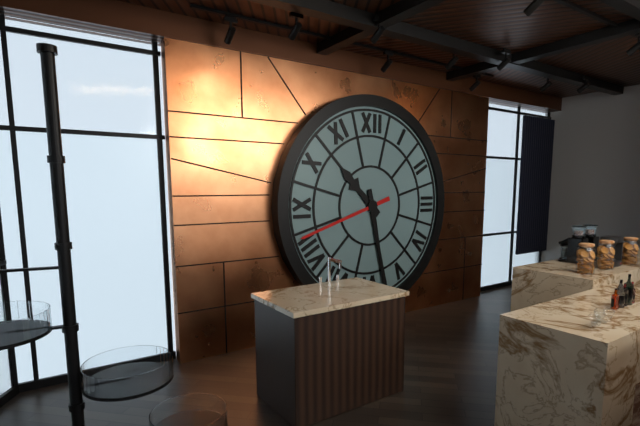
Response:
10h28m42s
